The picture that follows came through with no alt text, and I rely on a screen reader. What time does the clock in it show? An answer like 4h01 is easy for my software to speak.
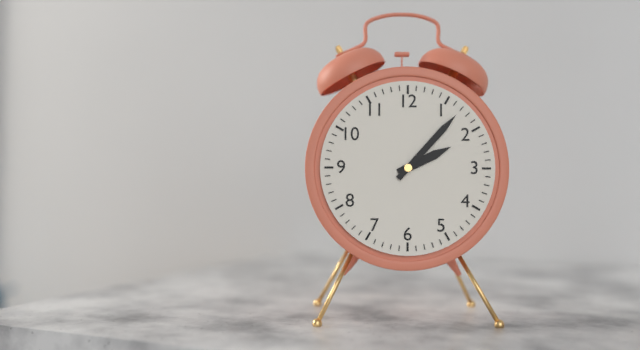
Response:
2h07
